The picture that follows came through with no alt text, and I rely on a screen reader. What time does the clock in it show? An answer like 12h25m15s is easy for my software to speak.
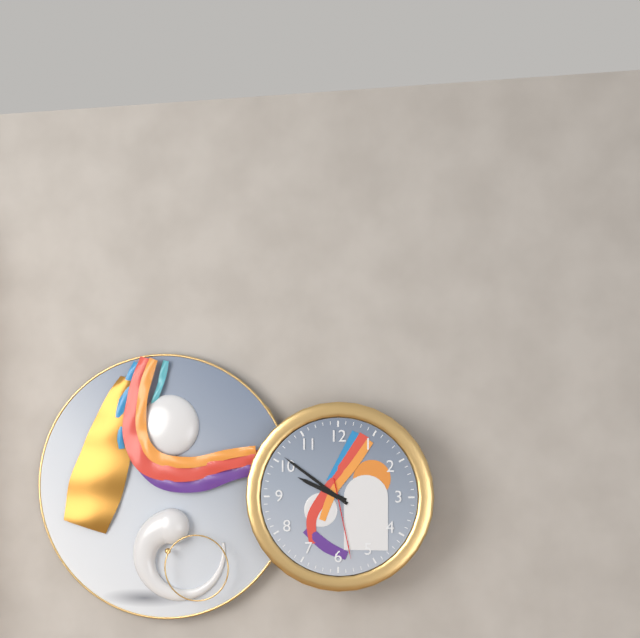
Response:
9h51m28s
